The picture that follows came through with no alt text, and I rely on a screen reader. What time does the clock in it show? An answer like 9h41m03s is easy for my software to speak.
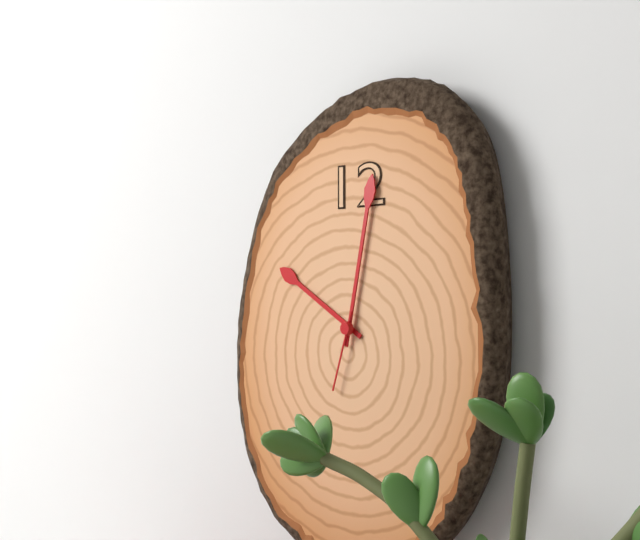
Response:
10h02m33s
